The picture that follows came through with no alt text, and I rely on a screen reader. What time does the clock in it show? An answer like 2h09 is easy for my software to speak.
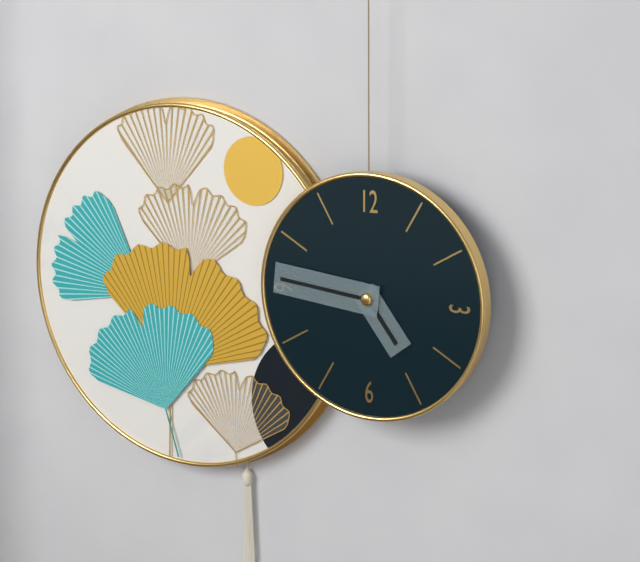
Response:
4h46
